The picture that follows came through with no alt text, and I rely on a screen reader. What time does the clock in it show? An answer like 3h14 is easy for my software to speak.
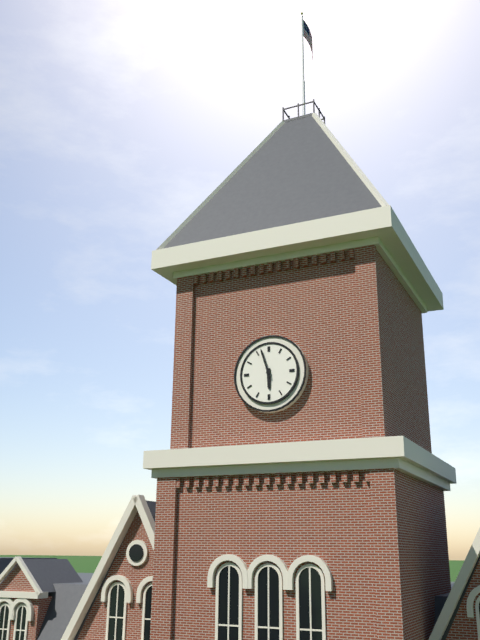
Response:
5h57
